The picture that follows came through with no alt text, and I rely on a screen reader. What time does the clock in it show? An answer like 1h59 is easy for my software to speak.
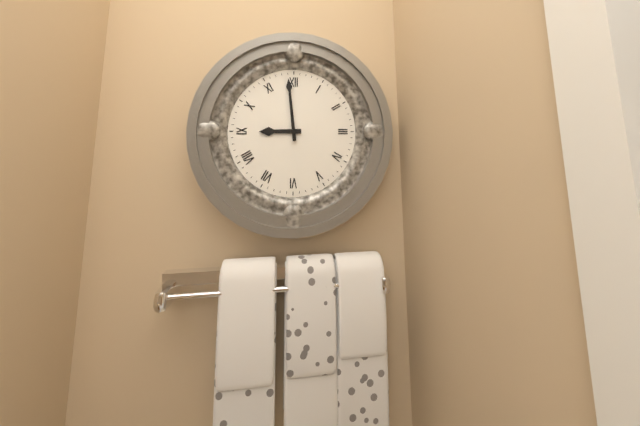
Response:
8h59
